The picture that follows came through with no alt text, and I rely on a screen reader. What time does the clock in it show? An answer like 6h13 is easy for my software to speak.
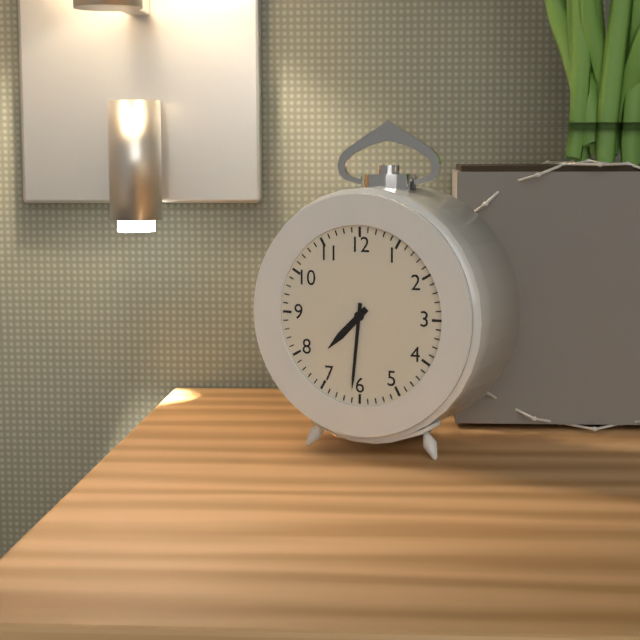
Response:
7h31
